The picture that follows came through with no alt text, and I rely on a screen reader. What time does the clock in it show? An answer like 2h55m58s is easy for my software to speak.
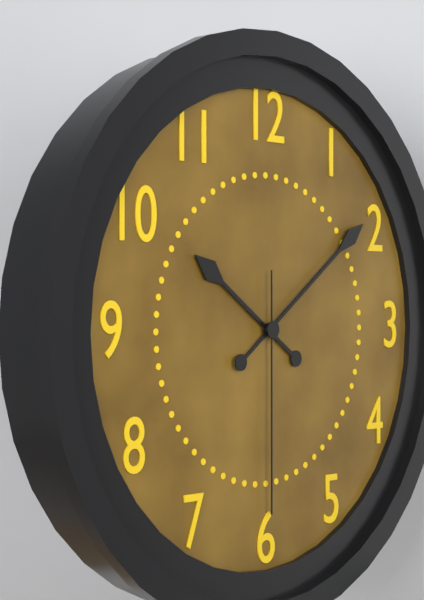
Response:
10h09m30s
